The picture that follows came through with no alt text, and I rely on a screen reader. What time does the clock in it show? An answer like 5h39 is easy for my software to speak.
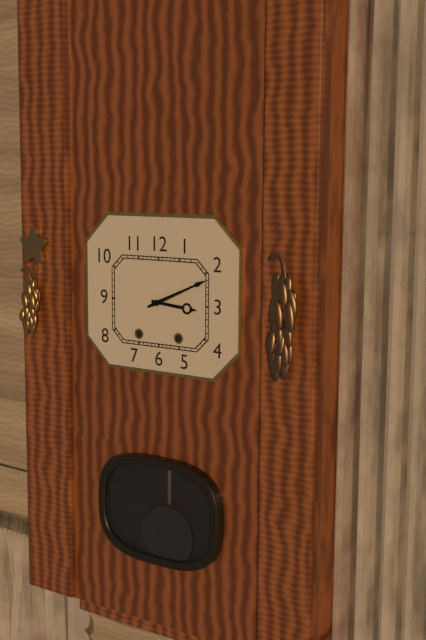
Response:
3h11
